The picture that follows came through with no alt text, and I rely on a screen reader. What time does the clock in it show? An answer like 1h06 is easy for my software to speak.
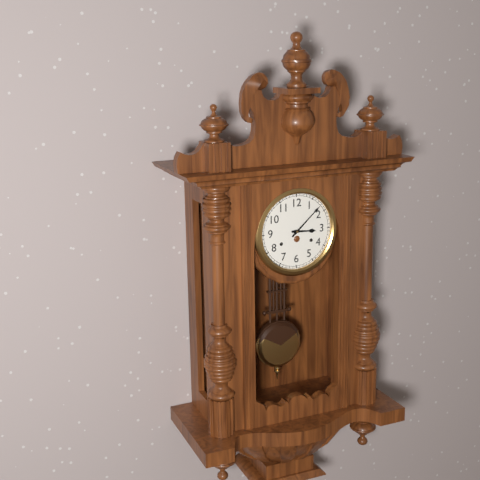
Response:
3h08
